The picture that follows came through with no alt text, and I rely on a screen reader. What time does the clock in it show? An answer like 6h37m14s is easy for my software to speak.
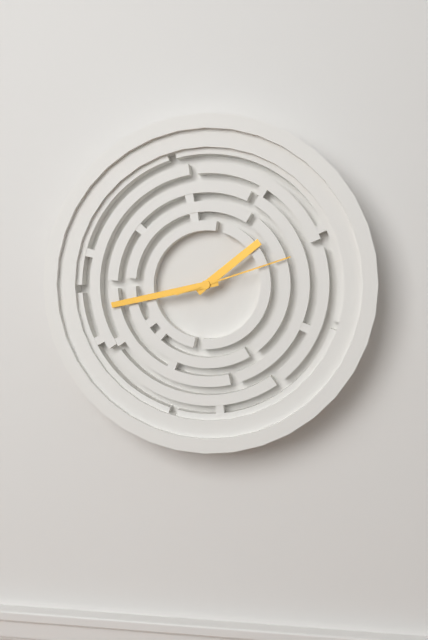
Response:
1h43m12s
